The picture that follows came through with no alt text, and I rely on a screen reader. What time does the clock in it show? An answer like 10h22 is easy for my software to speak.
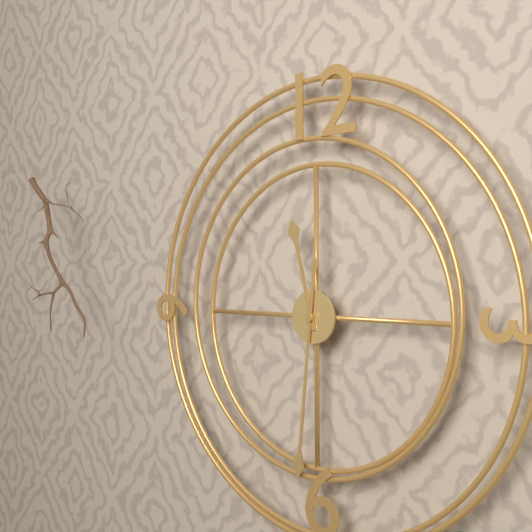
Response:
11h31
